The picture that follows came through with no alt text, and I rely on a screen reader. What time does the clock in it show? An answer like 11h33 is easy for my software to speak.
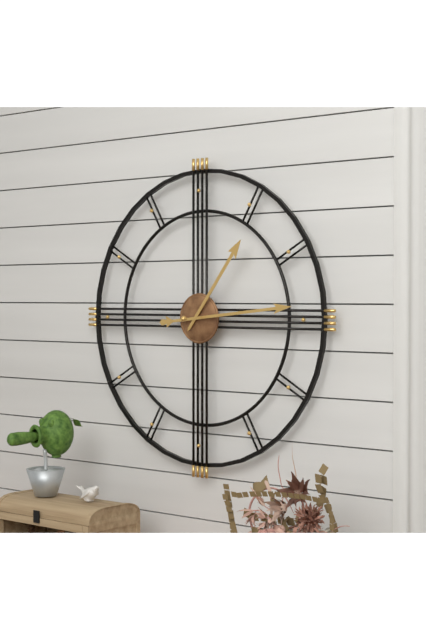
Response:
1h14
